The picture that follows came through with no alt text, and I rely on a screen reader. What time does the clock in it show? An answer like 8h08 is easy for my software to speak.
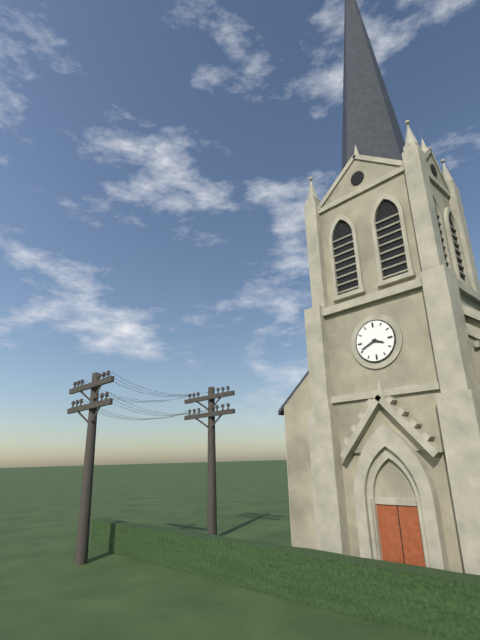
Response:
3h41
